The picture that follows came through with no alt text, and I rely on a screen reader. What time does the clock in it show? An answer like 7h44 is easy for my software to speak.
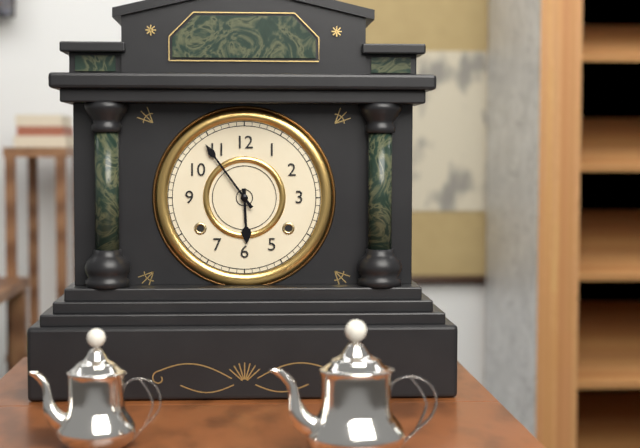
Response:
5h54
